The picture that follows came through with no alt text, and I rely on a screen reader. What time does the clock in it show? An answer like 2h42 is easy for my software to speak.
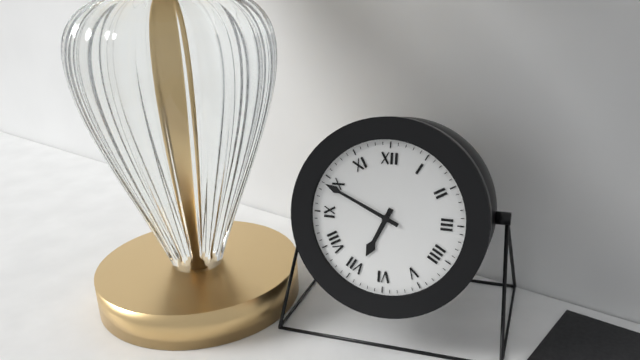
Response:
6h49
